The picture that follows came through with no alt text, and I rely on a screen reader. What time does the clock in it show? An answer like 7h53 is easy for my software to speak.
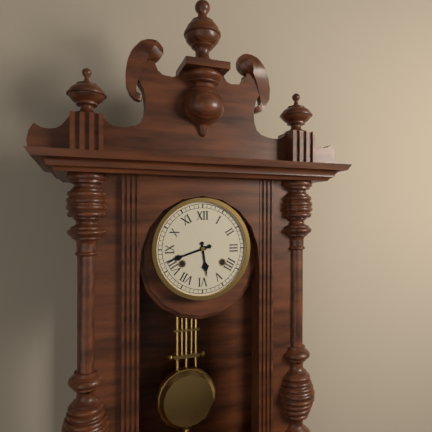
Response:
5h42
